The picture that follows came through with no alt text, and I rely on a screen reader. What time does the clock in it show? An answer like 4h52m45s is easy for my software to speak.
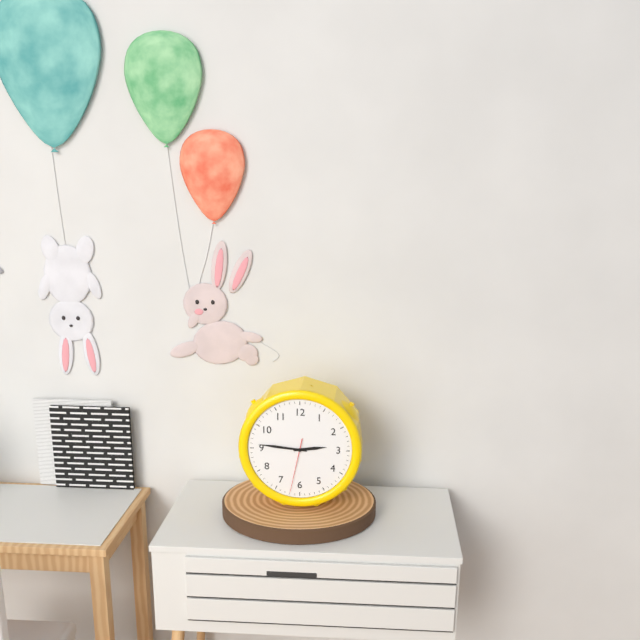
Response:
2h46m32s
